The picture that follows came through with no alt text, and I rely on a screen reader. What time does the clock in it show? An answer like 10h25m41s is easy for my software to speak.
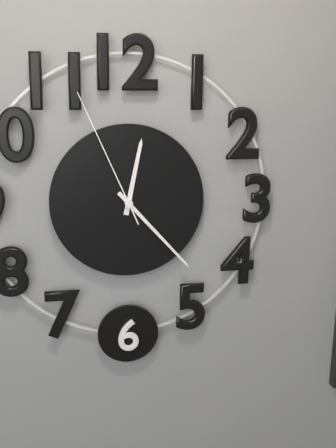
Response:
12h23m56s
